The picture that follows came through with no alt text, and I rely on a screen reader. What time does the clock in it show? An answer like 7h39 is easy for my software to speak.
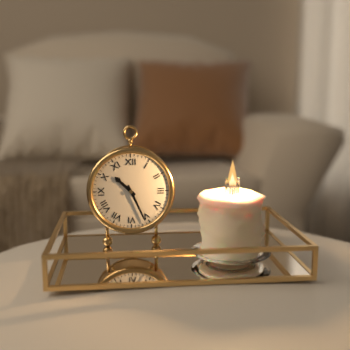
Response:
10h26
